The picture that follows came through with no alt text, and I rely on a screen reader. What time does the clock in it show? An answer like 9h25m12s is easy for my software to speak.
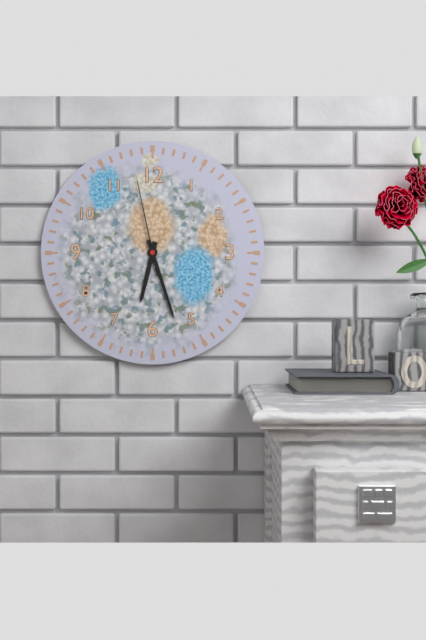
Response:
6h27m58s
